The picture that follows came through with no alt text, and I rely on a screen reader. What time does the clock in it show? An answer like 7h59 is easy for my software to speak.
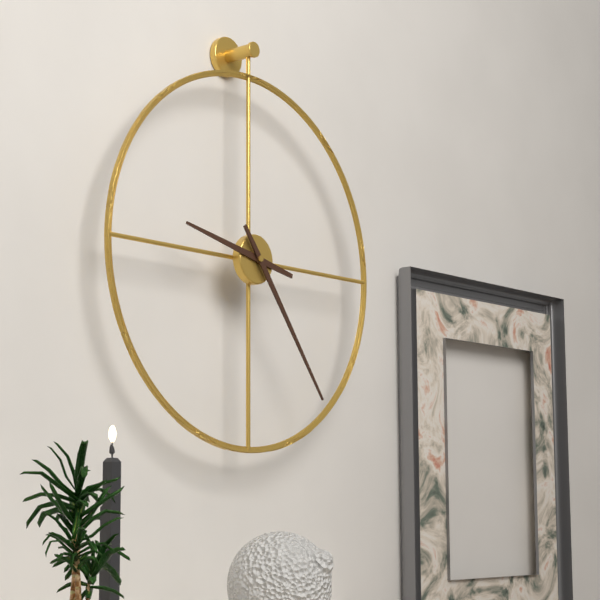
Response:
9h24
